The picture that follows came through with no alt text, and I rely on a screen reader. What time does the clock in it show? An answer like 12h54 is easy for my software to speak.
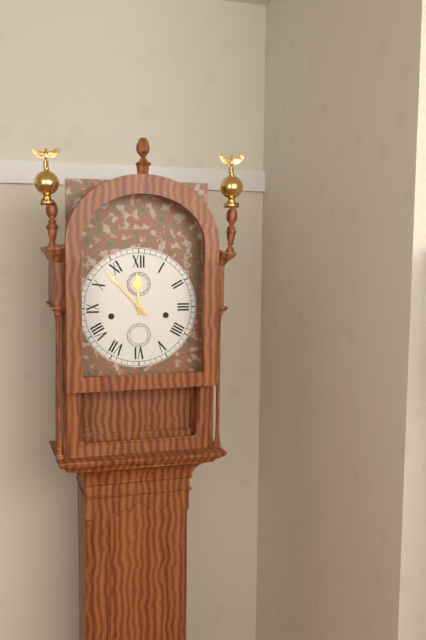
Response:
11h53
